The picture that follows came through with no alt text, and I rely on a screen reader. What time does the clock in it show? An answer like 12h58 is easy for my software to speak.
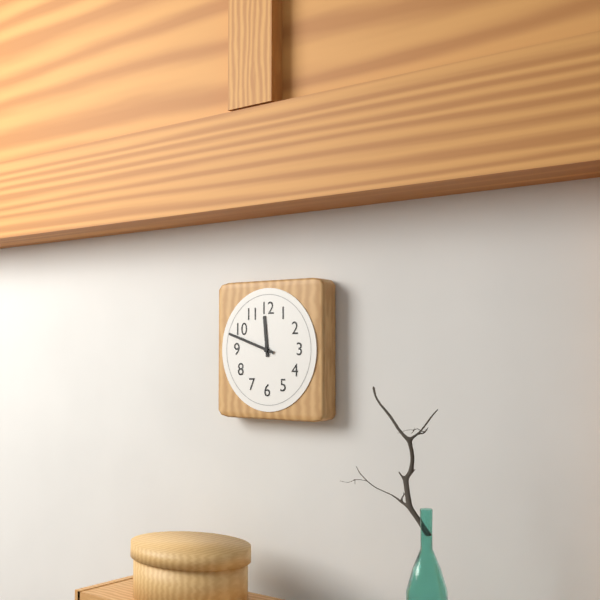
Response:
11h48
